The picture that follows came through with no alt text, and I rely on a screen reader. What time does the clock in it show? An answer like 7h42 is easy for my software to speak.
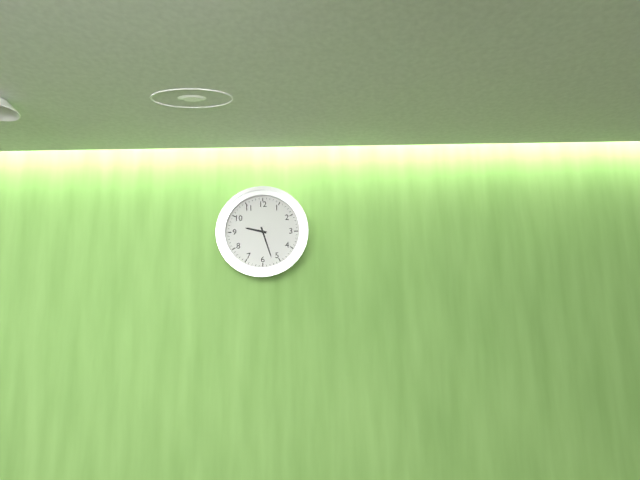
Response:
9h27
